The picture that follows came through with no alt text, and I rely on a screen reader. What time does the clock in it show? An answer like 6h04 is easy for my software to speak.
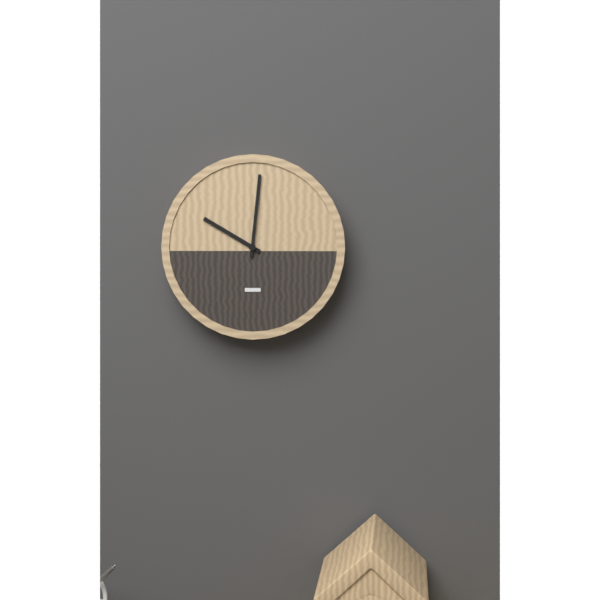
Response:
10h01
